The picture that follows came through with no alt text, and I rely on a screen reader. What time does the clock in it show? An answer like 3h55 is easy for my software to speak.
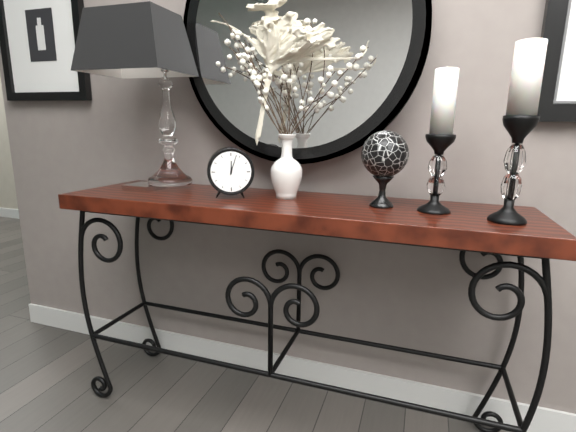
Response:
12h03
